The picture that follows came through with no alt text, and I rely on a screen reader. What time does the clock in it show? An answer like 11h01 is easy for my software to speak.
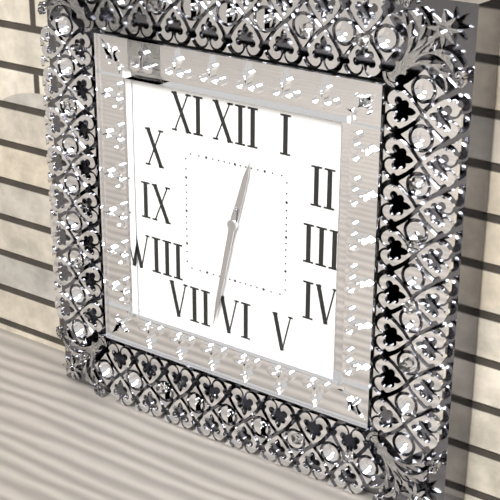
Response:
12h32
